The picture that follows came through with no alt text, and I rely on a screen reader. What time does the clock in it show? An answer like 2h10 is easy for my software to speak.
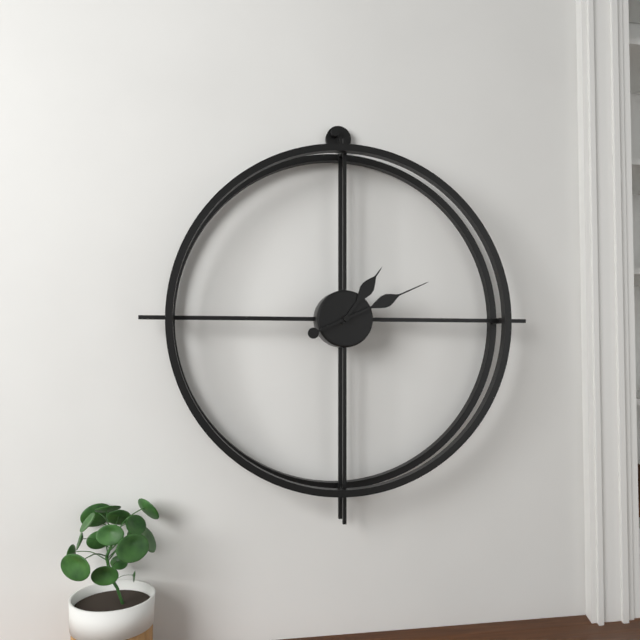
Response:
1h11
